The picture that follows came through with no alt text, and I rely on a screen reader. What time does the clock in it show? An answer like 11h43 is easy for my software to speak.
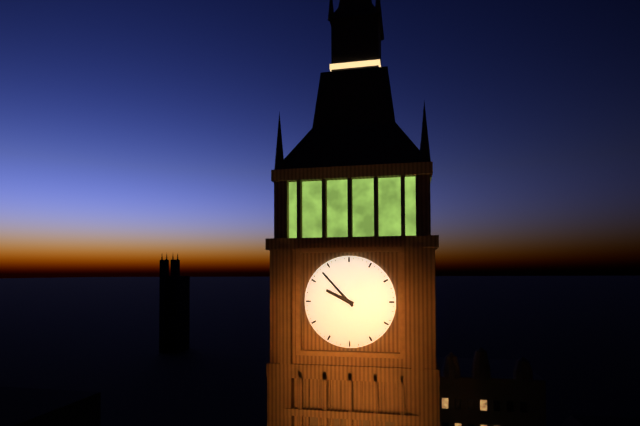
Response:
9h53
